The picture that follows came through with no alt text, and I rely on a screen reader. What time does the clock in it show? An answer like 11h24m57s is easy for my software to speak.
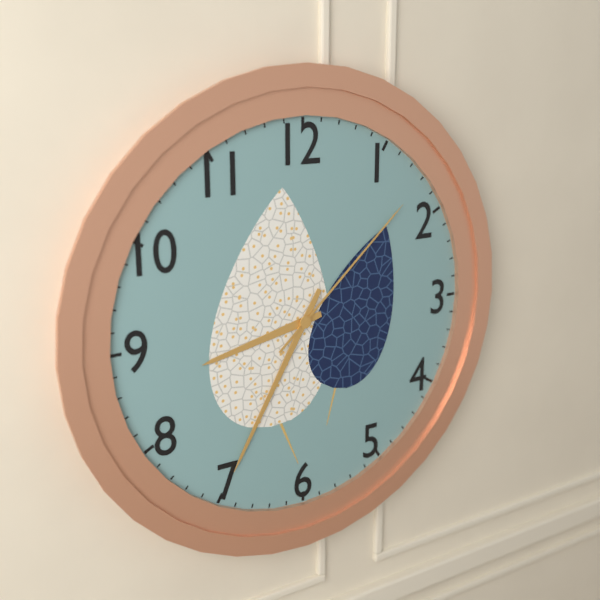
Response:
8h35m08s
